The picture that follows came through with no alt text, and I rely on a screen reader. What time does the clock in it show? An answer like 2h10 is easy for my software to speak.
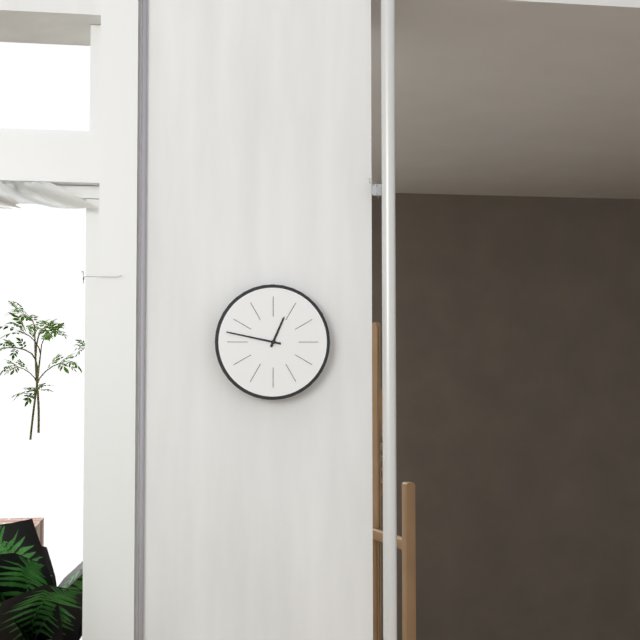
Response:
12h47
